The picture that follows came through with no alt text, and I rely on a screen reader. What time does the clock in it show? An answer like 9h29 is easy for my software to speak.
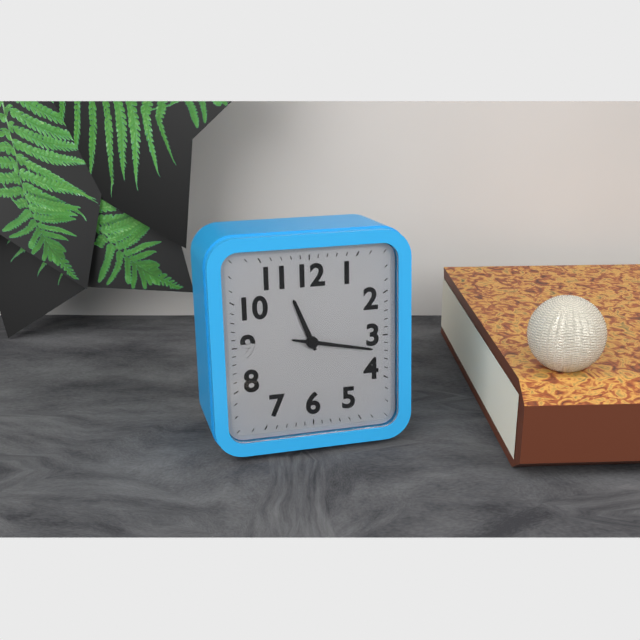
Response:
11h17
